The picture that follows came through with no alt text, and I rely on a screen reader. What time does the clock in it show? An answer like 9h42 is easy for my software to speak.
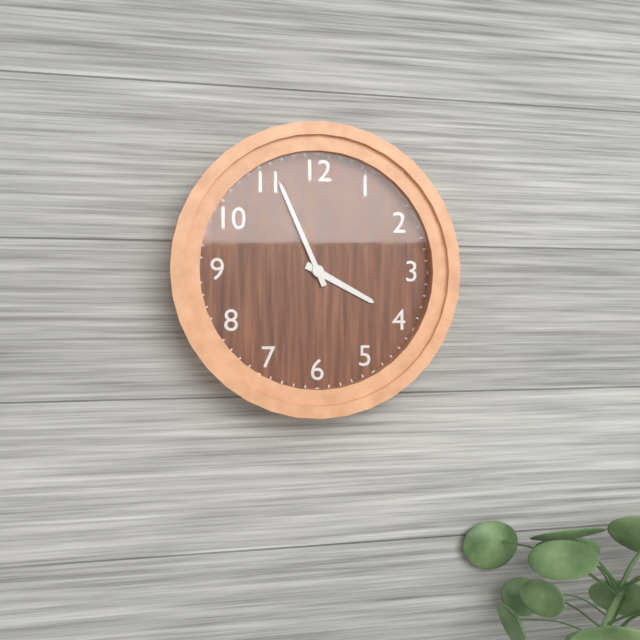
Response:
3h56
